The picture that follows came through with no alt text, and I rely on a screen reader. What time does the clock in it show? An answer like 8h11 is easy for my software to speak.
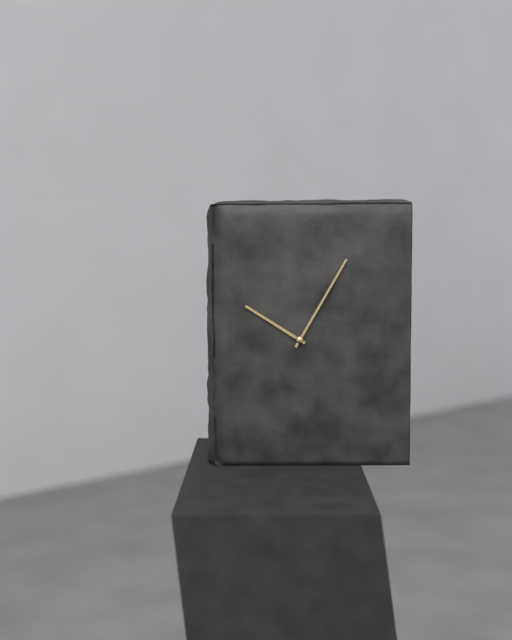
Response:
10h05
